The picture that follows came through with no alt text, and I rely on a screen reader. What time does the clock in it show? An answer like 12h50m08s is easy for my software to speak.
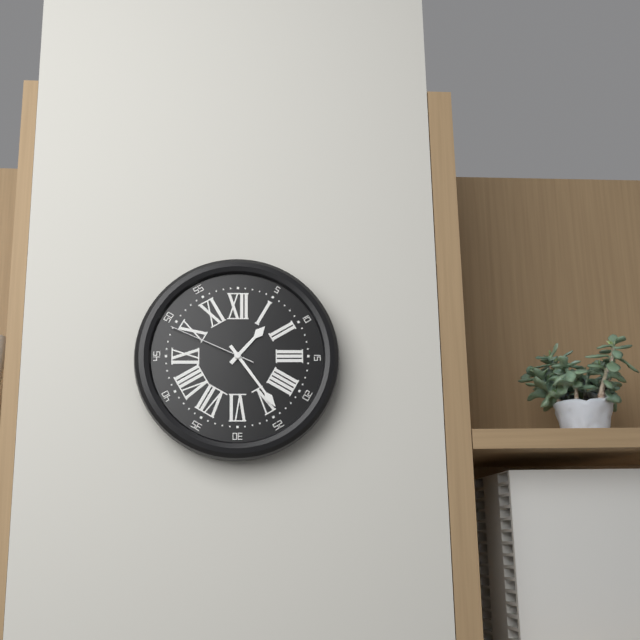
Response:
1h24m49s
